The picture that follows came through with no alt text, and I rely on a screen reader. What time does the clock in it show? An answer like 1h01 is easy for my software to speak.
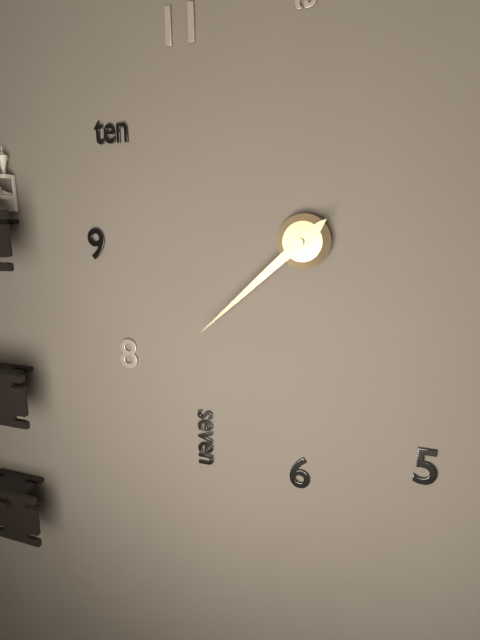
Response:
7h38
